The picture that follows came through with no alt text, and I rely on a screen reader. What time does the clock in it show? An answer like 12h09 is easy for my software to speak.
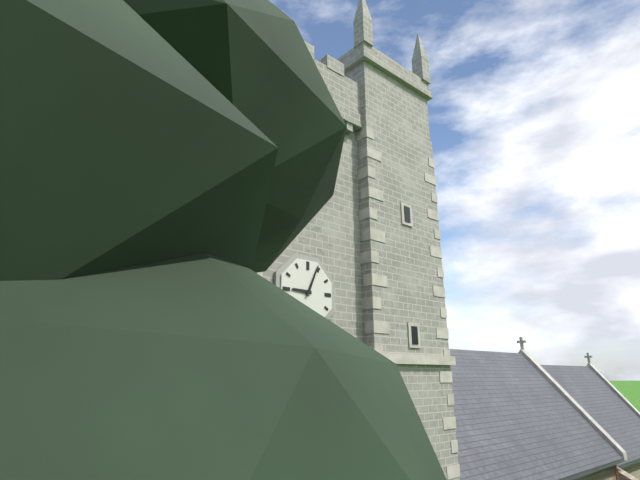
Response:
9h04
